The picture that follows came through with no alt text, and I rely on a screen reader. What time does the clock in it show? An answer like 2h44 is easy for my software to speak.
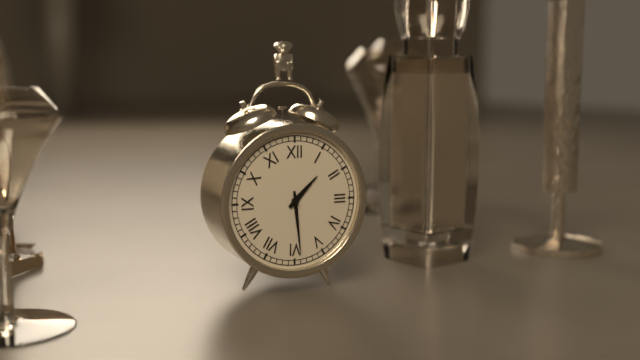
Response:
1h29
